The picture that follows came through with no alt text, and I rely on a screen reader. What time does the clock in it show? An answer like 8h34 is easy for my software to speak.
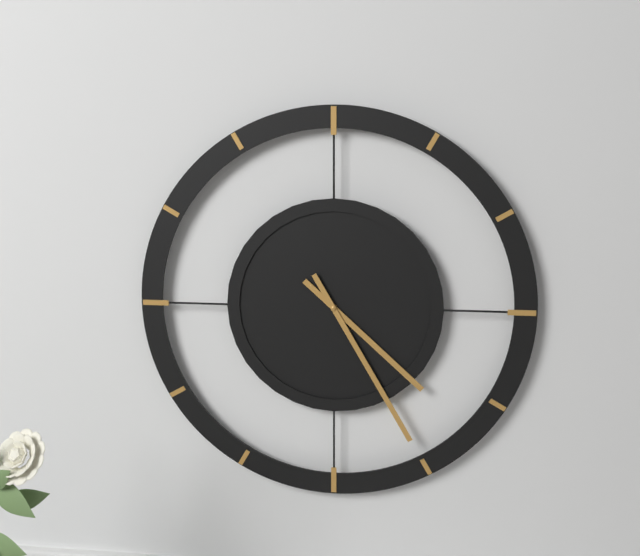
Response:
4h25
